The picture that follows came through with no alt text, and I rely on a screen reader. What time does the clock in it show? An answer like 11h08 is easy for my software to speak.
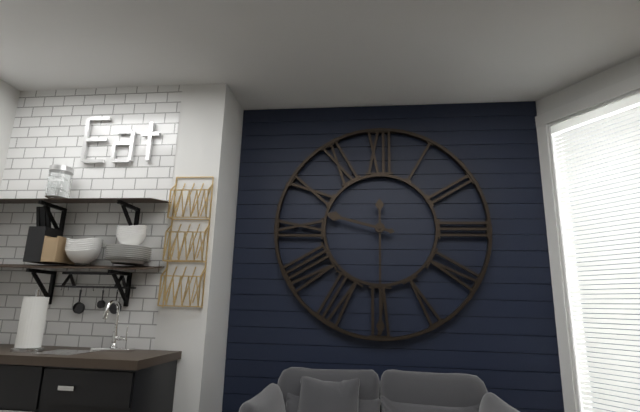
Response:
9h30
